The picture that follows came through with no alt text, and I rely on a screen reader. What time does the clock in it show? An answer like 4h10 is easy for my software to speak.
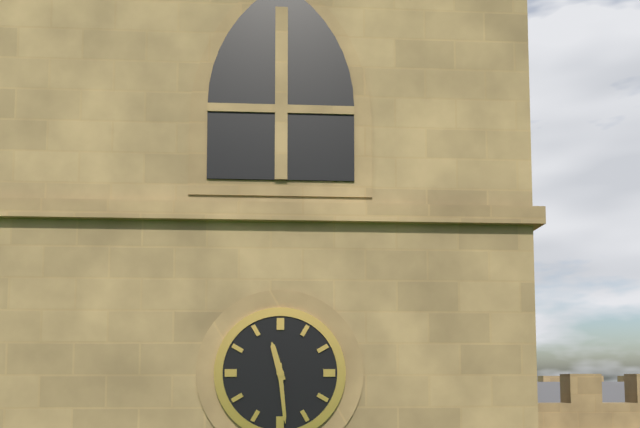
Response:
11h29
